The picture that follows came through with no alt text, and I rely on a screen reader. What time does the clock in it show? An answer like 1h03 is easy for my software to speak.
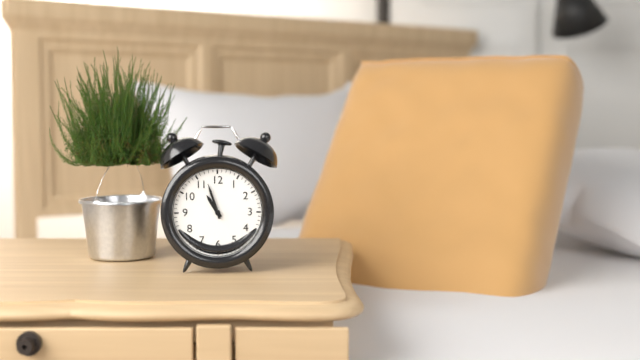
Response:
10h57
